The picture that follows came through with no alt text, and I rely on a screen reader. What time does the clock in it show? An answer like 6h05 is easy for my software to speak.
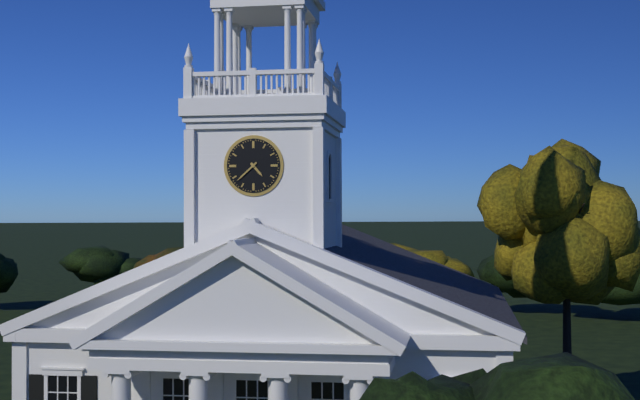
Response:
4h38
